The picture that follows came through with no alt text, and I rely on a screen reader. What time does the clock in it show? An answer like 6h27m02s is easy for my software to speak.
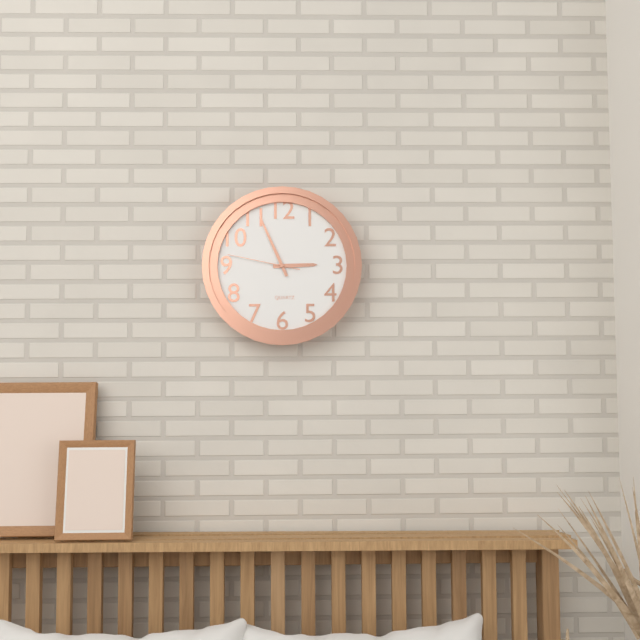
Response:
2h56m47s
